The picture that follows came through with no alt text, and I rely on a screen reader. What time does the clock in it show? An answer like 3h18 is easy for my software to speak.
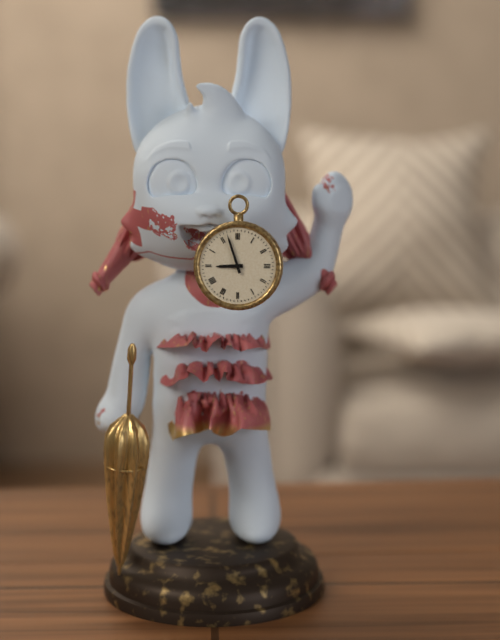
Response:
8h57
